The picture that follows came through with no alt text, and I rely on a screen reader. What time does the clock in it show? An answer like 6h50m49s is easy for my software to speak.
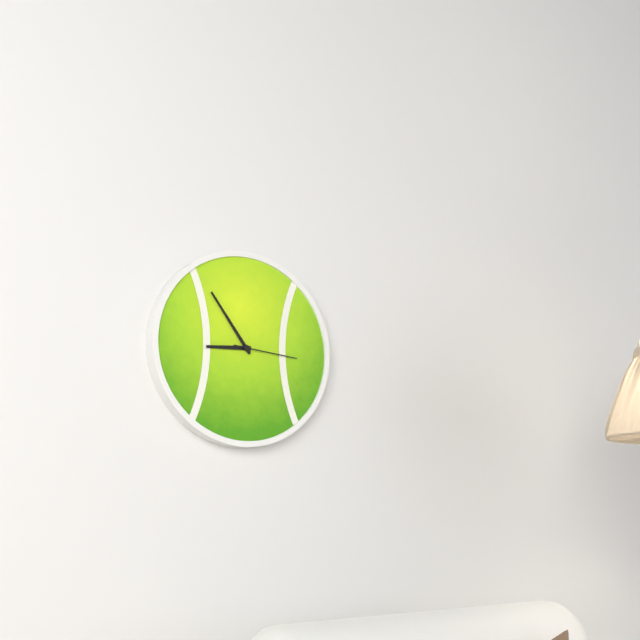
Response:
8h54m16s
